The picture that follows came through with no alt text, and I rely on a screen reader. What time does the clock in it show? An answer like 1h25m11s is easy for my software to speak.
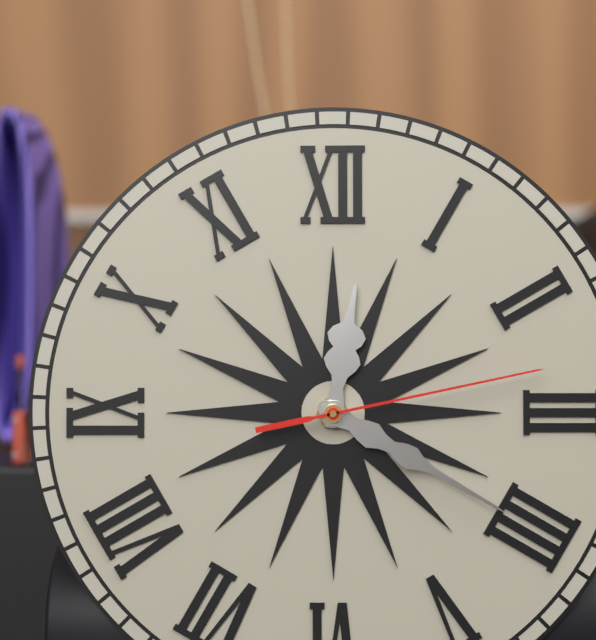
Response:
12h20m13s
